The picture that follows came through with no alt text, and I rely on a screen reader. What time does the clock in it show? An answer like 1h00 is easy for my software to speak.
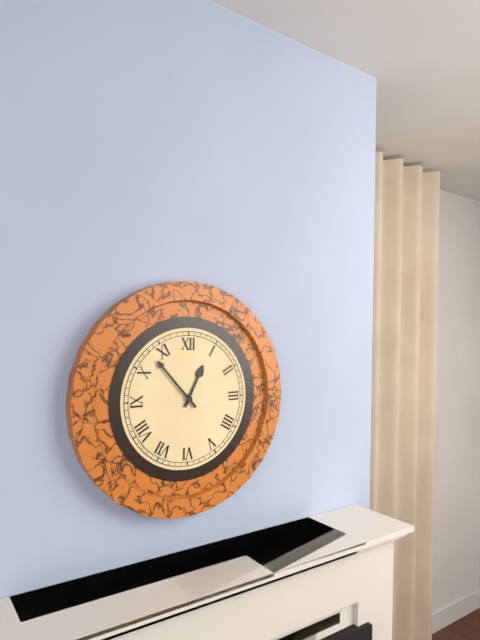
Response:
12h53
